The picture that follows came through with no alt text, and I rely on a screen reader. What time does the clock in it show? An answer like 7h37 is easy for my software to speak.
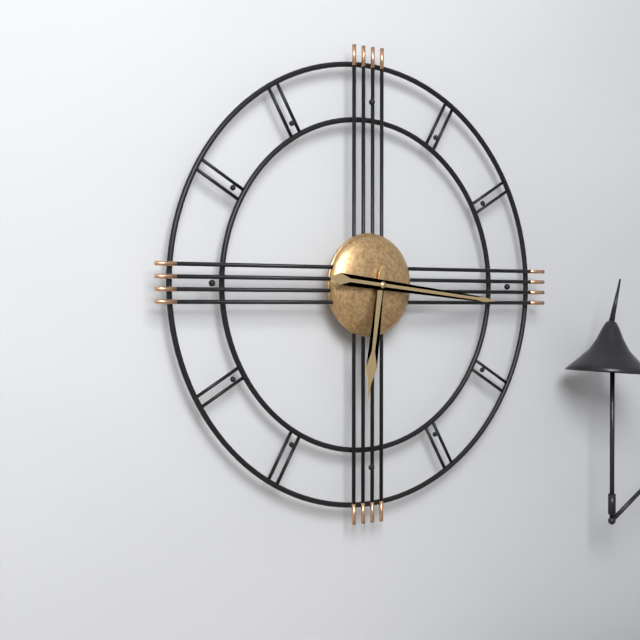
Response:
6h16
